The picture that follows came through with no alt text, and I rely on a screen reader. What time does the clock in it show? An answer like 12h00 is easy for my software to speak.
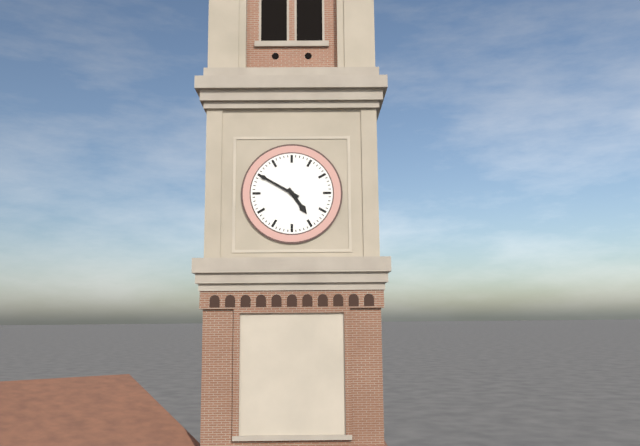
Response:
4h50
